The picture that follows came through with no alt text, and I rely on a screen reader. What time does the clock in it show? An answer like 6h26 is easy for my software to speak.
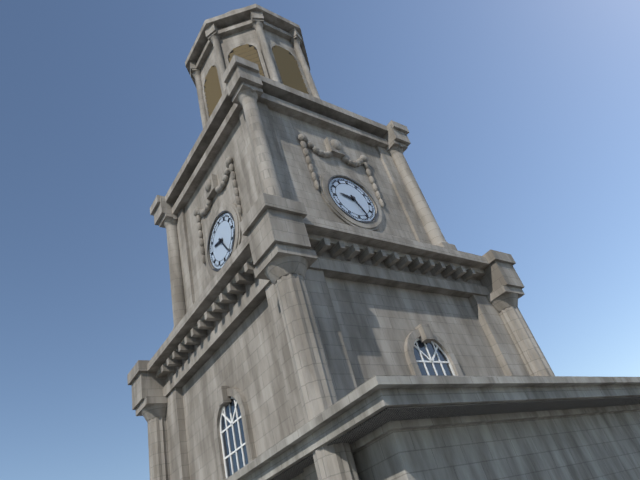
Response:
9h25
